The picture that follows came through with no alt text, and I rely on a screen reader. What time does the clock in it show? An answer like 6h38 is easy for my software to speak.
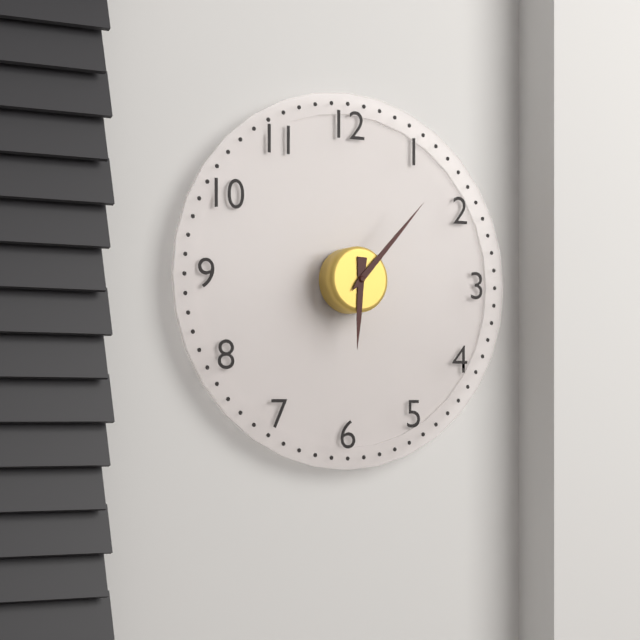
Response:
6h07
